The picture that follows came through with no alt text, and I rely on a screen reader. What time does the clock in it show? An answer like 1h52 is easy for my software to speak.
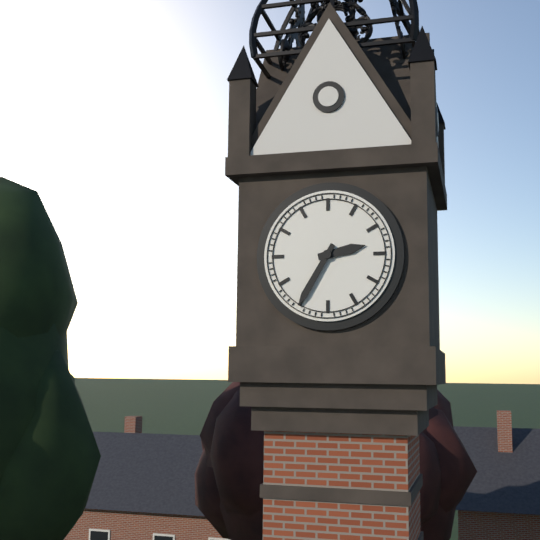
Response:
2h35
